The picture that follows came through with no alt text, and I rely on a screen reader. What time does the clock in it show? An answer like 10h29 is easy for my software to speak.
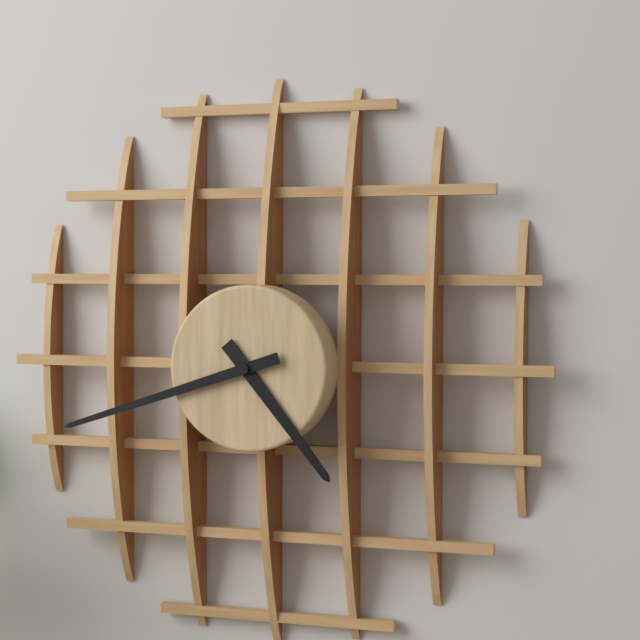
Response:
4h42
